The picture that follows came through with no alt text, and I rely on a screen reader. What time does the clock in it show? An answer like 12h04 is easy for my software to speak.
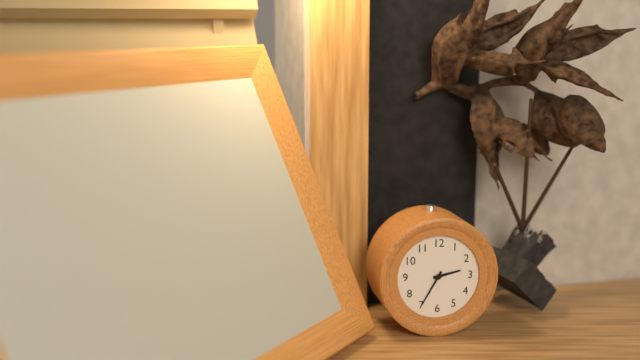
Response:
2h35
